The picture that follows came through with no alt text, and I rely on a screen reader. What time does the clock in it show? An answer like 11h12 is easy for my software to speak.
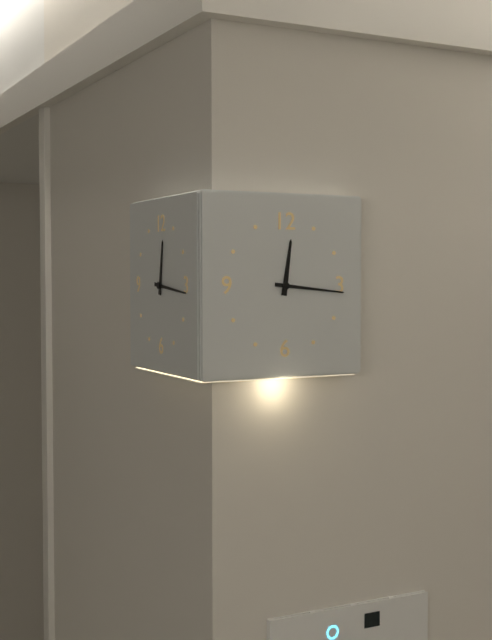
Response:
12h16
